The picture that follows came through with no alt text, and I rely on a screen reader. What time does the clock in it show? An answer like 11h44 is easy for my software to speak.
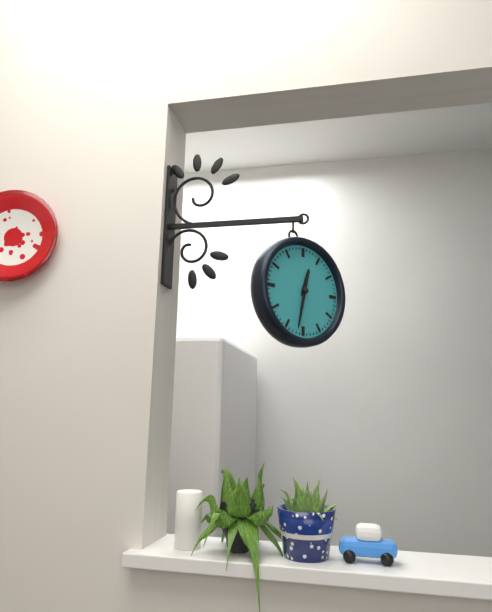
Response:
12h32
